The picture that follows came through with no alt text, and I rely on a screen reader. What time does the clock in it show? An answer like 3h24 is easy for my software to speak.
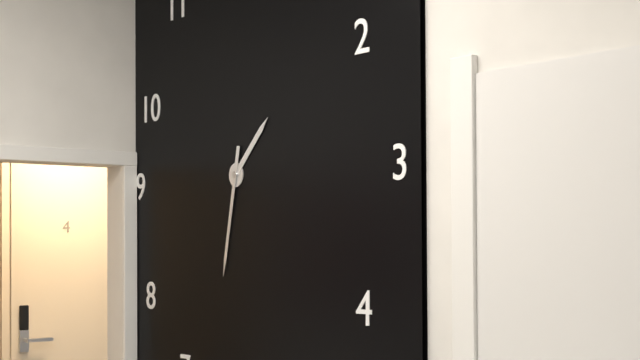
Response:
1h32
